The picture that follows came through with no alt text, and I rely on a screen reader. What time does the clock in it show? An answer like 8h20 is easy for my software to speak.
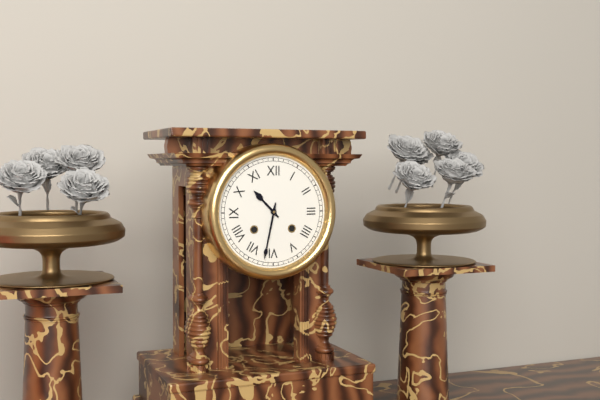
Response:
10h32
